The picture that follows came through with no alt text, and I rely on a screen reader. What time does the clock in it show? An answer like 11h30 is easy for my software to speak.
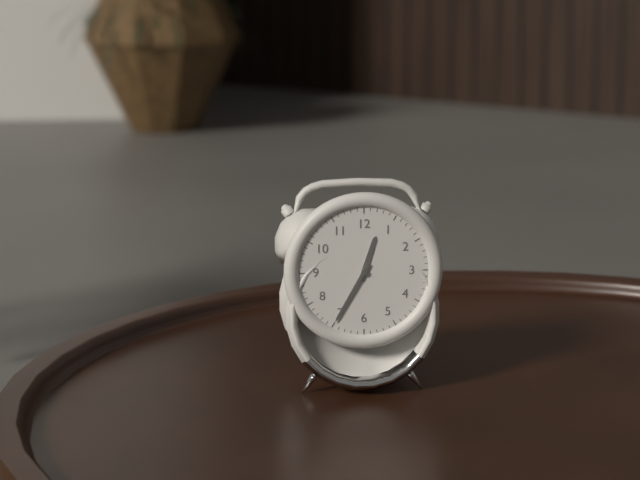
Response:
12h35
